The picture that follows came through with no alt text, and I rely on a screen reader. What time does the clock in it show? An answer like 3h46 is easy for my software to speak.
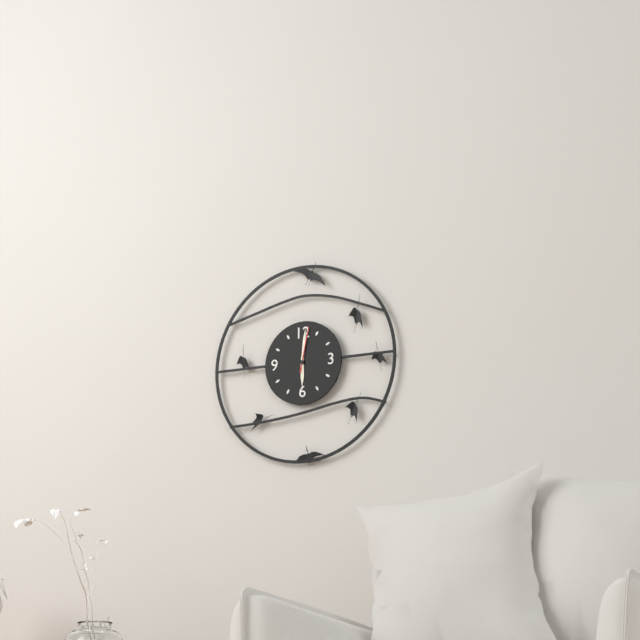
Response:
6h01
